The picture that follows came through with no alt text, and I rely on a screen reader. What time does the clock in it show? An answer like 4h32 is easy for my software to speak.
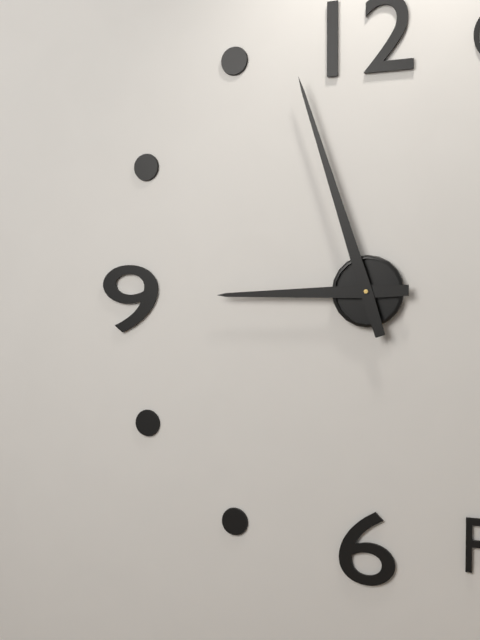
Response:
8h57
